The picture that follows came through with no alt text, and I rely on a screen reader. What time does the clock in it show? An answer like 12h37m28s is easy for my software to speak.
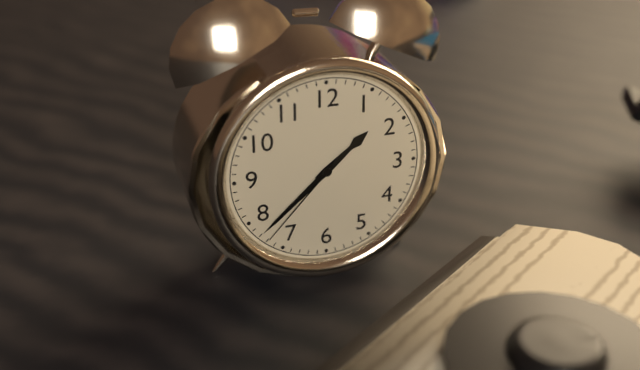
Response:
1h38m37s
